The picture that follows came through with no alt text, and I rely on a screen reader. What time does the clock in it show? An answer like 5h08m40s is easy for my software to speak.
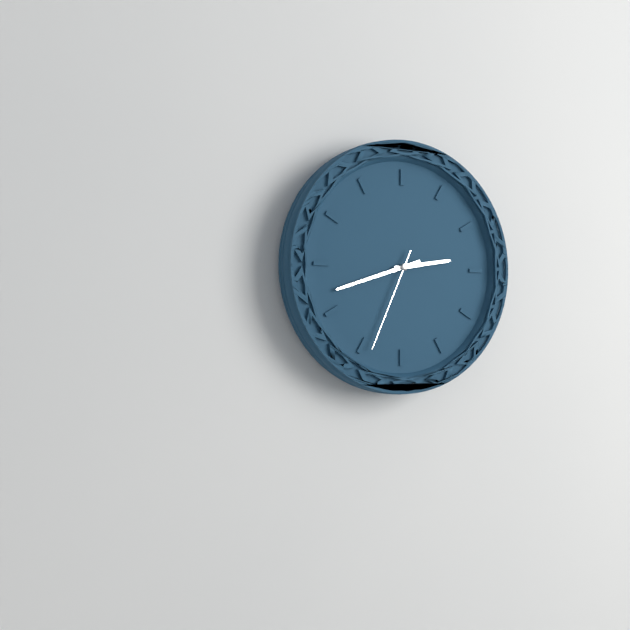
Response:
2h42m34s
